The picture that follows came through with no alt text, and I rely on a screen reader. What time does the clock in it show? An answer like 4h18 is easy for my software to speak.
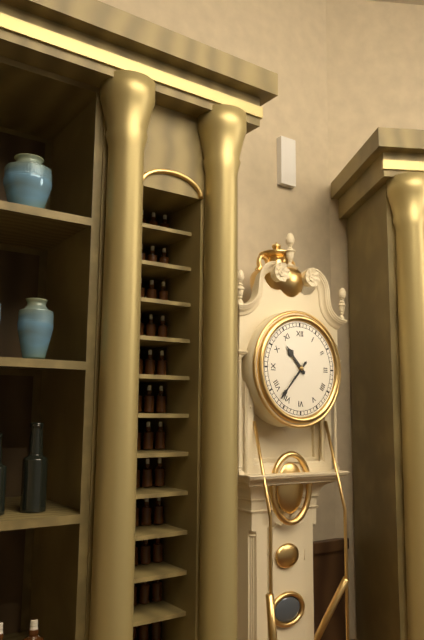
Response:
10h37
